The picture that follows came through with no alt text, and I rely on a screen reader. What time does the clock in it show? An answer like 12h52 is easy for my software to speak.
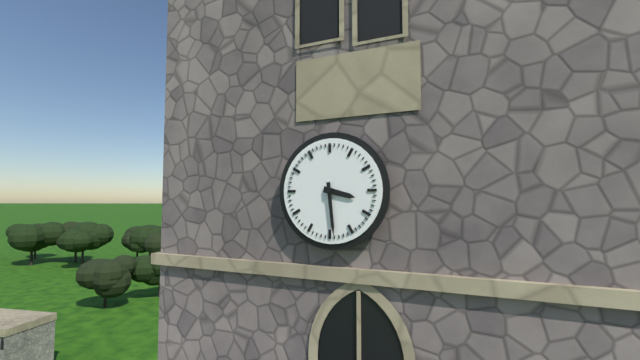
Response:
3h29
